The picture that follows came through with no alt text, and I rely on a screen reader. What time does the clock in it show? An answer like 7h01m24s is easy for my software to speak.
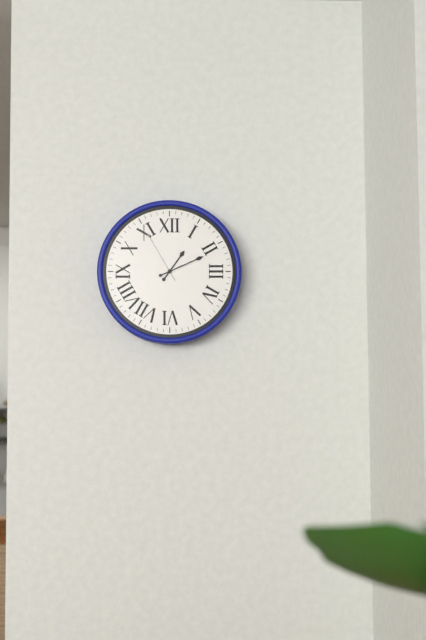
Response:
1h11m55s
